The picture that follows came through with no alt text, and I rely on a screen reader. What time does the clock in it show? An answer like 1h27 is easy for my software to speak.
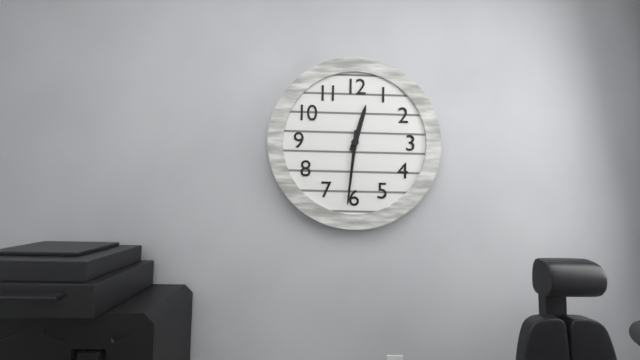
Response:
12h31
